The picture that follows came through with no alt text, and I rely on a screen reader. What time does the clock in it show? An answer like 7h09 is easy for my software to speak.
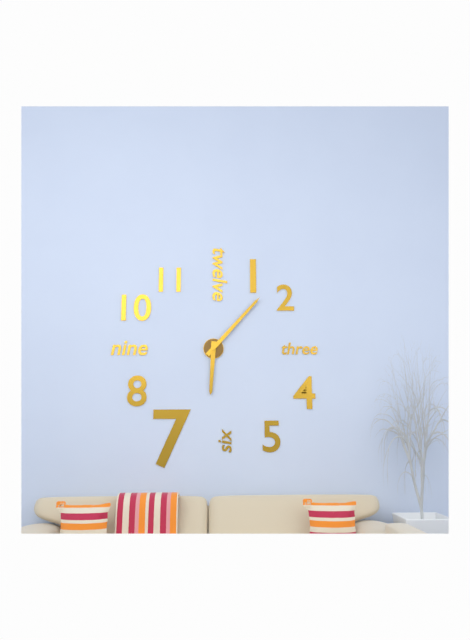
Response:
6h07
